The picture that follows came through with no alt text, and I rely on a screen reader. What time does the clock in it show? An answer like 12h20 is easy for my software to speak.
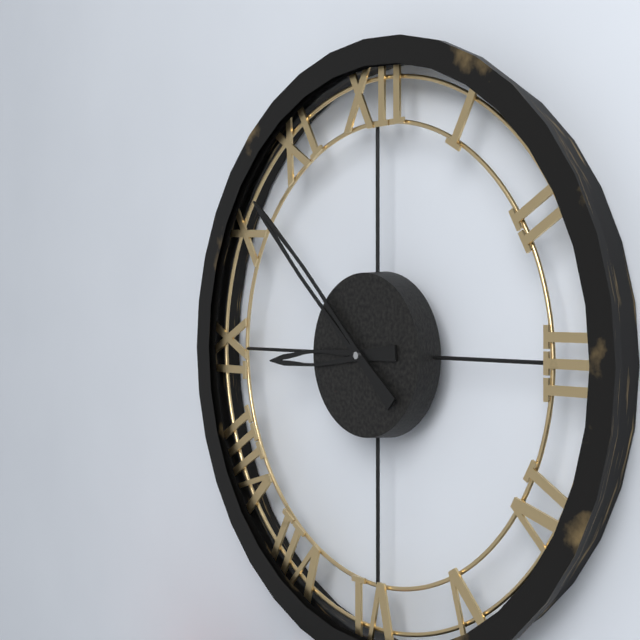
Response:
8h52
